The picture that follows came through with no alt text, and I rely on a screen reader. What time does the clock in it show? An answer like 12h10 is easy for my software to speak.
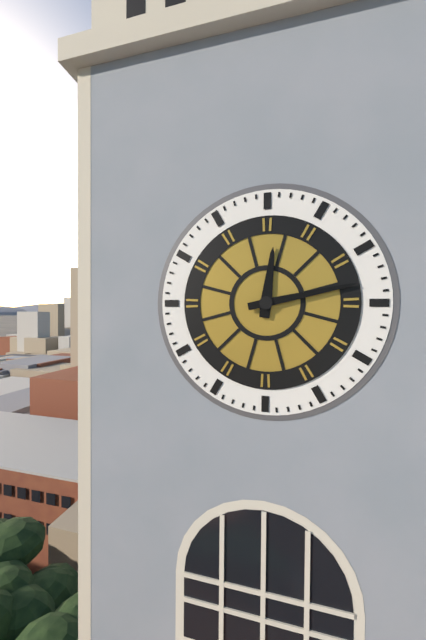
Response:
12h13
